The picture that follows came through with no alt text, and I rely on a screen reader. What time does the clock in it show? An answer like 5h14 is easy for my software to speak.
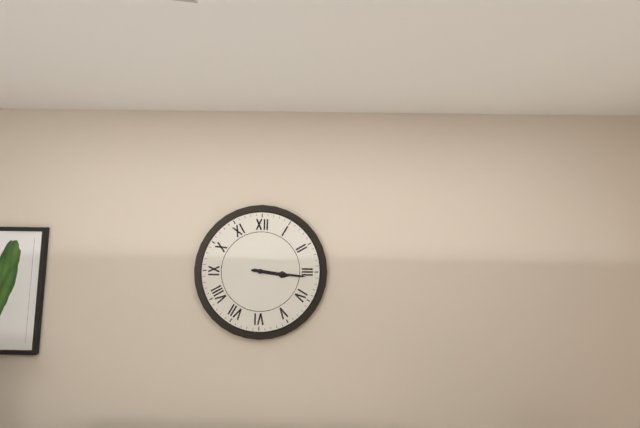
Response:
3h16
